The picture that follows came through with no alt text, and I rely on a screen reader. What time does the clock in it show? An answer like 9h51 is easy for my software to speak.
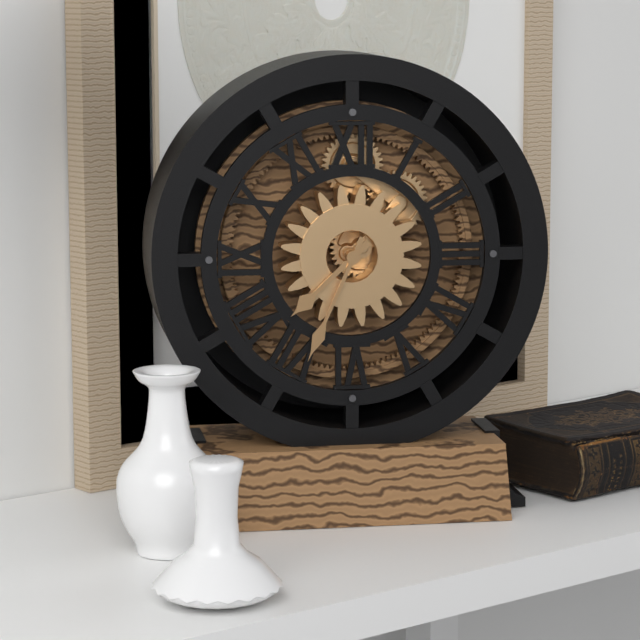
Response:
7h34
